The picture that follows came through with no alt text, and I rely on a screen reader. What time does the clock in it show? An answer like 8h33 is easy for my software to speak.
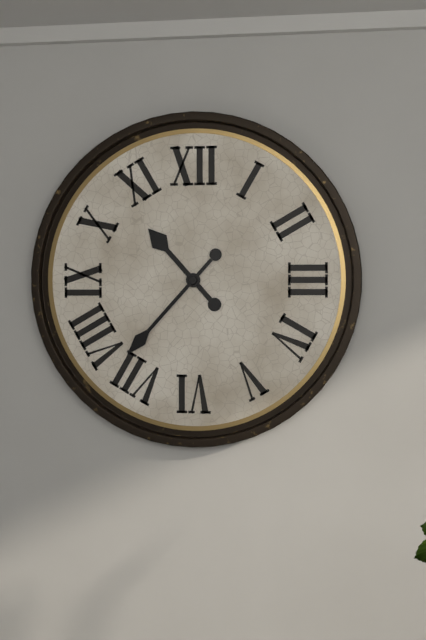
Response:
10h37
